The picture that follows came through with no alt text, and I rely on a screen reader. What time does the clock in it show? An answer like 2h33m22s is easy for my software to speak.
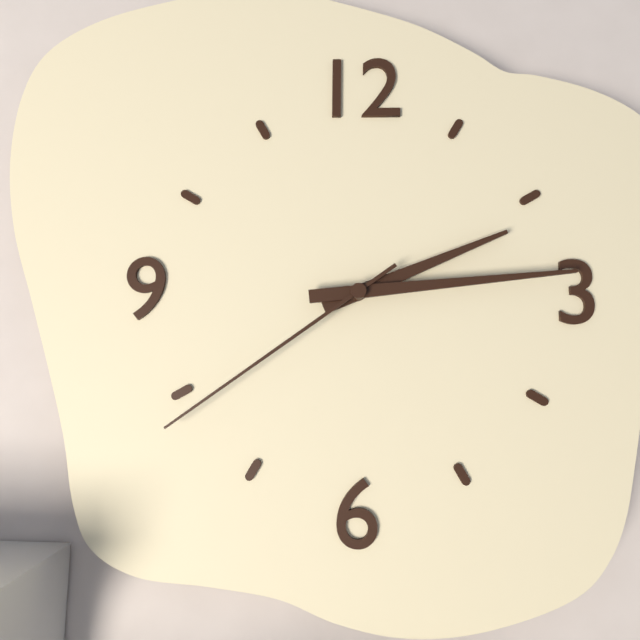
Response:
2h14m39s
